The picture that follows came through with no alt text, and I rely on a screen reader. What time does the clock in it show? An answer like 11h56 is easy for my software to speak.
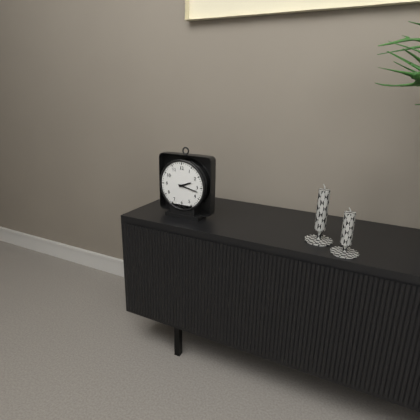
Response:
2h17
